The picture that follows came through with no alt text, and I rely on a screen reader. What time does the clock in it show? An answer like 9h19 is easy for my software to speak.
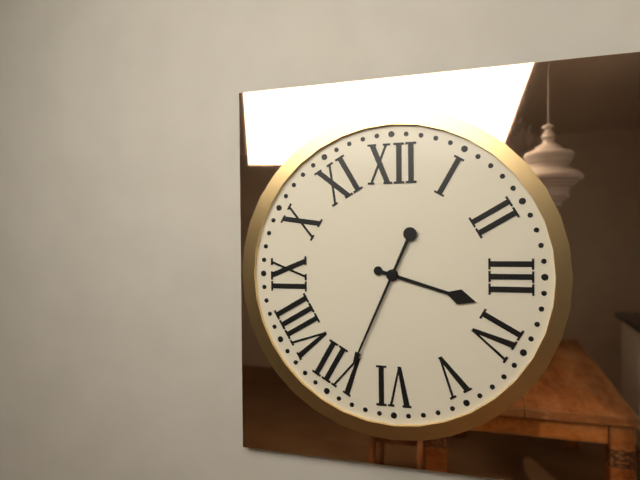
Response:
3h34
